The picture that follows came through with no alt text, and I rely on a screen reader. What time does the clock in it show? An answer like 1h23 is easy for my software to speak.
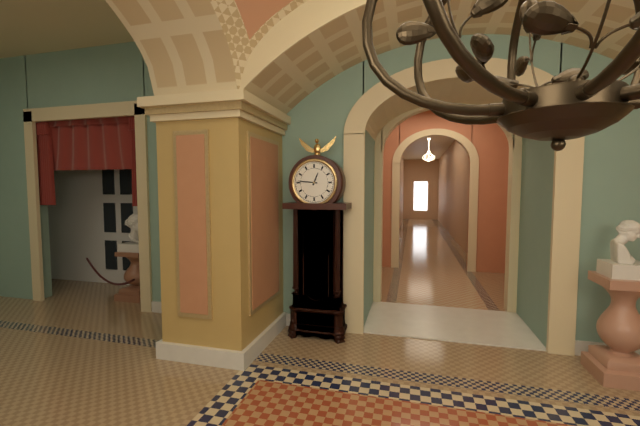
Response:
12h46
